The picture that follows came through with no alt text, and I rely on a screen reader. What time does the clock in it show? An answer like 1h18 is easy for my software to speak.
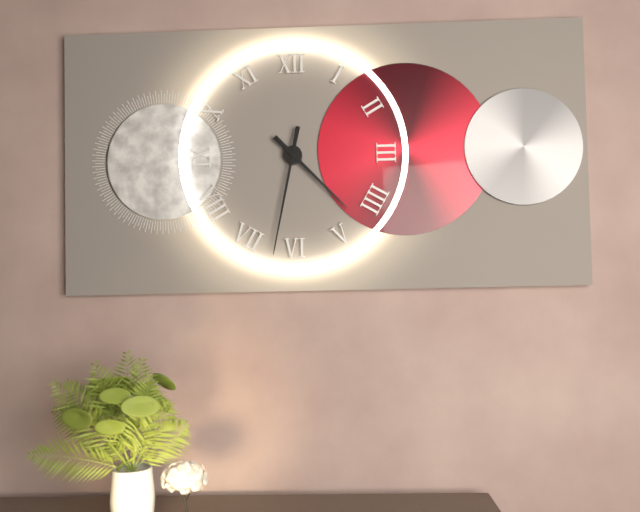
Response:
4h32
